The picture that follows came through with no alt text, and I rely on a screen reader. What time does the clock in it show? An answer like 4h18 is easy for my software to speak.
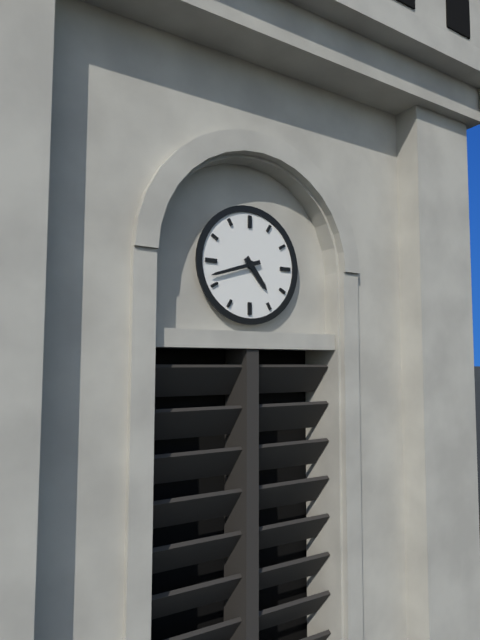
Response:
4h42
